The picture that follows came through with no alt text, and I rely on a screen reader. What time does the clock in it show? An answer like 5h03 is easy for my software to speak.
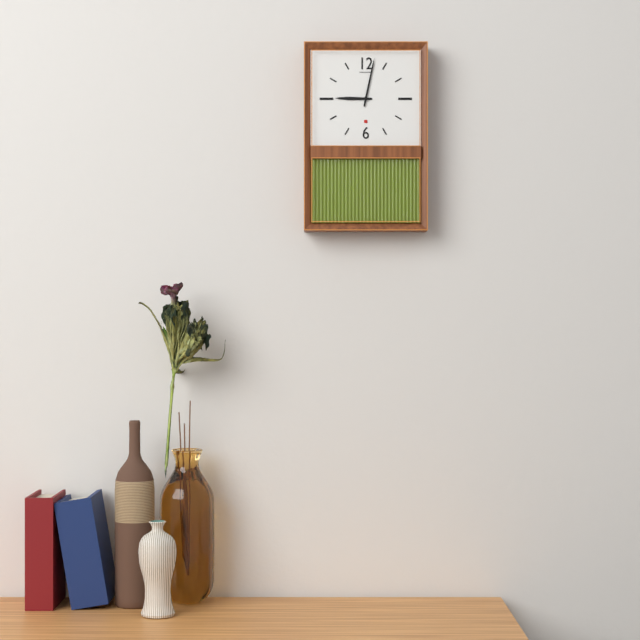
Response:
9h02
